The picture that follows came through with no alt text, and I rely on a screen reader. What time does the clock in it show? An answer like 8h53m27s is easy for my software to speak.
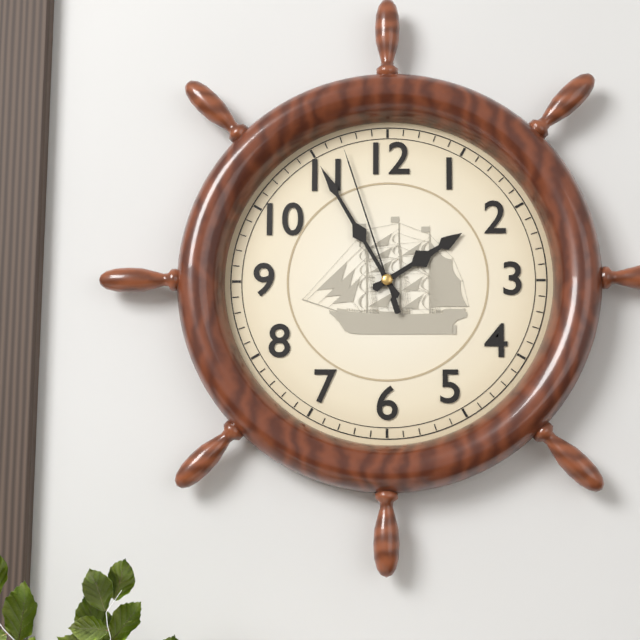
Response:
1h55m57s
